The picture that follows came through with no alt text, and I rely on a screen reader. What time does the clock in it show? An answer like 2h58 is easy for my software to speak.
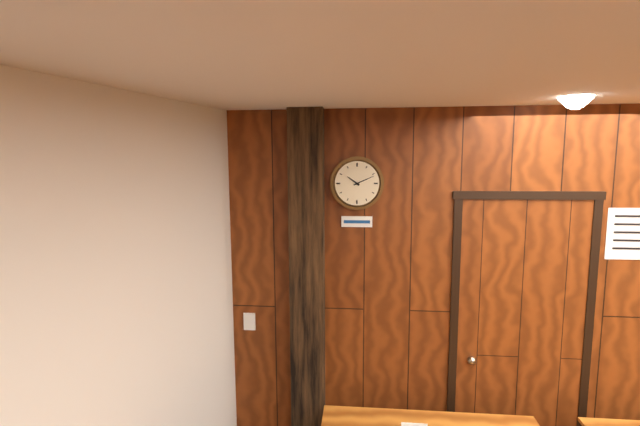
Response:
10h11
